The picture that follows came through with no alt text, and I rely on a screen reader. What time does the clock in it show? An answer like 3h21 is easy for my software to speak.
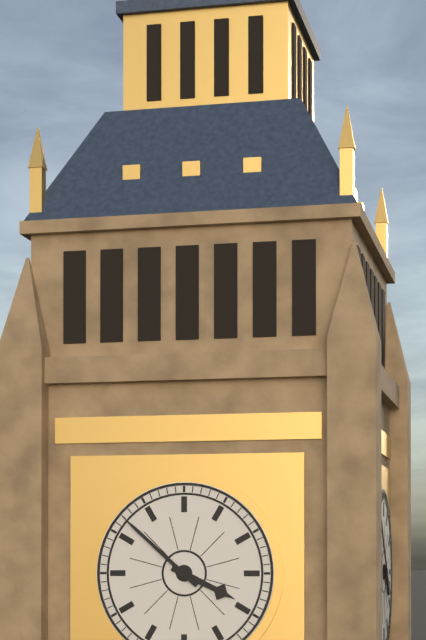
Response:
3h52
